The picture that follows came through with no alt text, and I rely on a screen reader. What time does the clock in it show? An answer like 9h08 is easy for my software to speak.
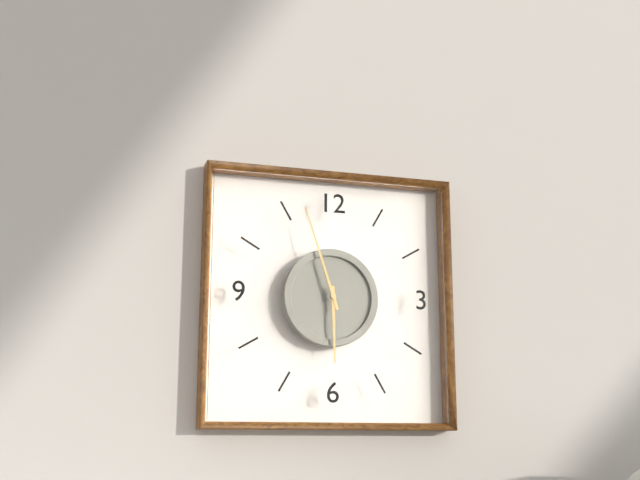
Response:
5h57
